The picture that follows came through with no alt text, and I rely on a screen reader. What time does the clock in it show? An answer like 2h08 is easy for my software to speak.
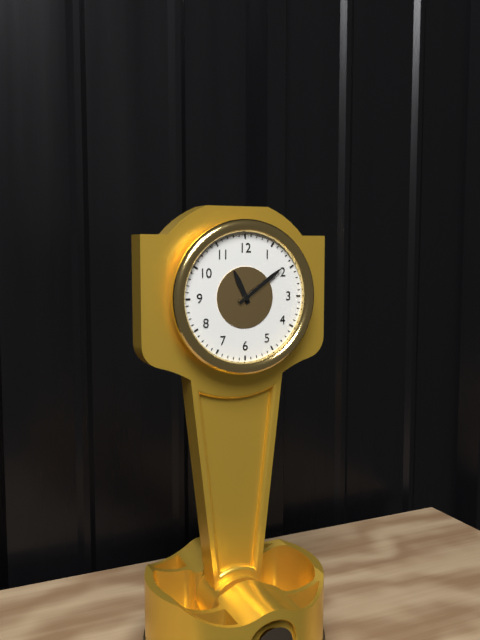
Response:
11h09
